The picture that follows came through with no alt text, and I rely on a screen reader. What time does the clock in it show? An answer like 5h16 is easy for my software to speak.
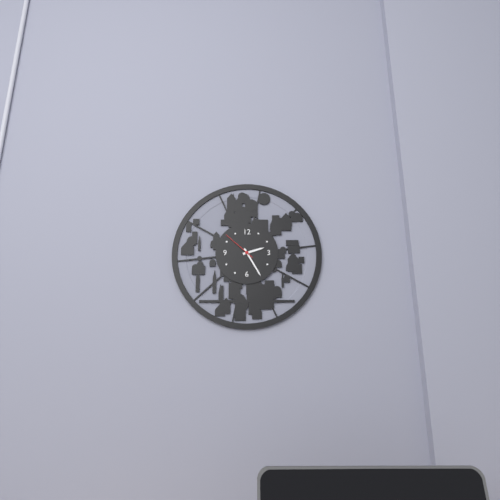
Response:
2h25
